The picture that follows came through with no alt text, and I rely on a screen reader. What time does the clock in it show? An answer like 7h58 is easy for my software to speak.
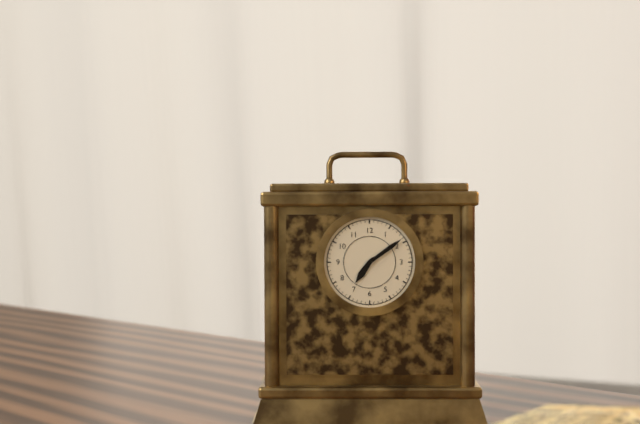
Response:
7h09
